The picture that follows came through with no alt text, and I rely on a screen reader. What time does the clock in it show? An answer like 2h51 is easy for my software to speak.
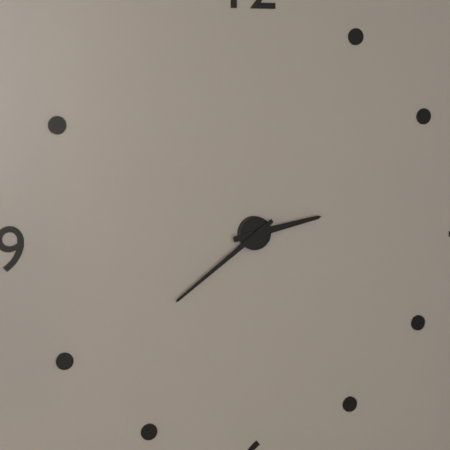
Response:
2h39
